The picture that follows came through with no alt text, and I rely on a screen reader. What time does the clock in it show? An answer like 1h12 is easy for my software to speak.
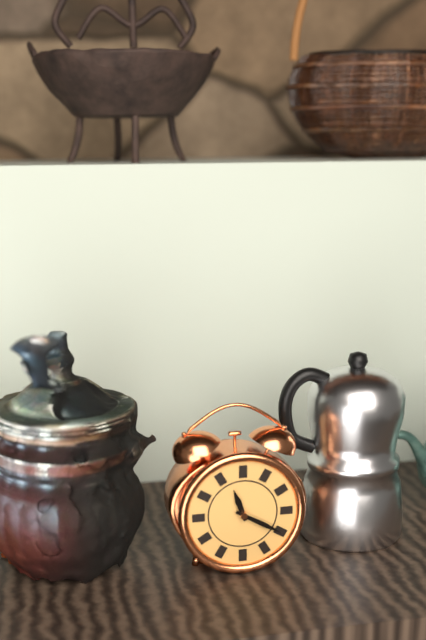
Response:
11h20
